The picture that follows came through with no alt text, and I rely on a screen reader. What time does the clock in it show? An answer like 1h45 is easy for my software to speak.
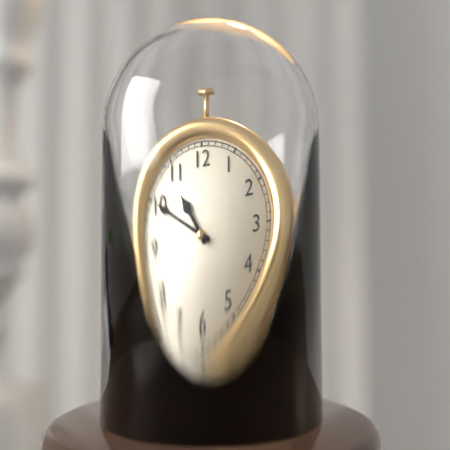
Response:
10h50
